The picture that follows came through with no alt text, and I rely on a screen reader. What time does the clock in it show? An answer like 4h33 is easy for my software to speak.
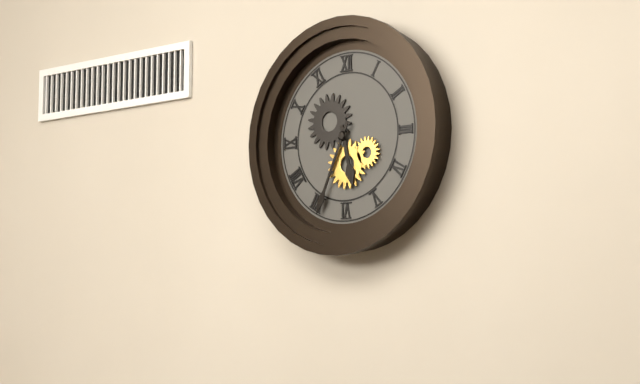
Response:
5h34
